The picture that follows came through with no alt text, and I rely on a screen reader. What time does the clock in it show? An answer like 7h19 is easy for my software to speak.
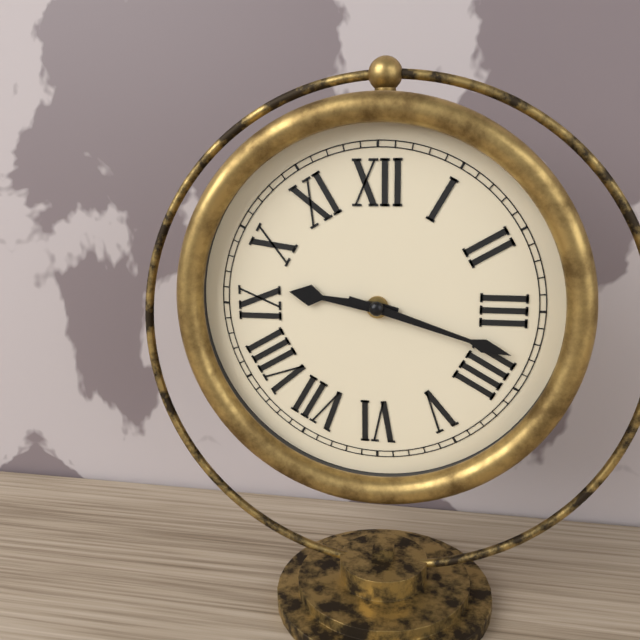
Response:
9h18
